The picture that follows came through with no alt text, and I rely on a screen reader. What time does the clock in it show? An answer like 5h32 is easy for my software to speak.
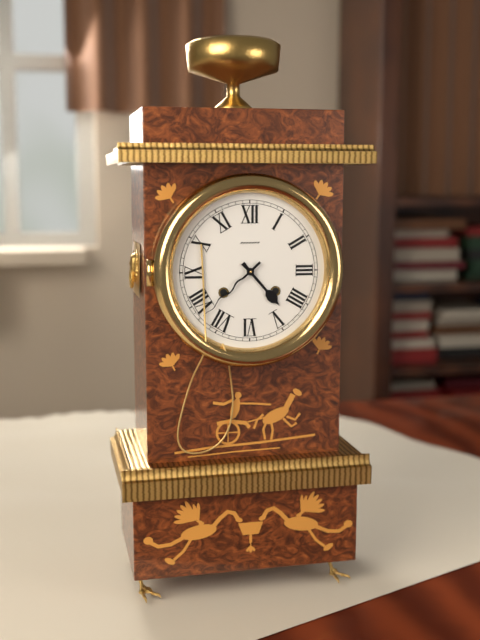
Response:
4h38
